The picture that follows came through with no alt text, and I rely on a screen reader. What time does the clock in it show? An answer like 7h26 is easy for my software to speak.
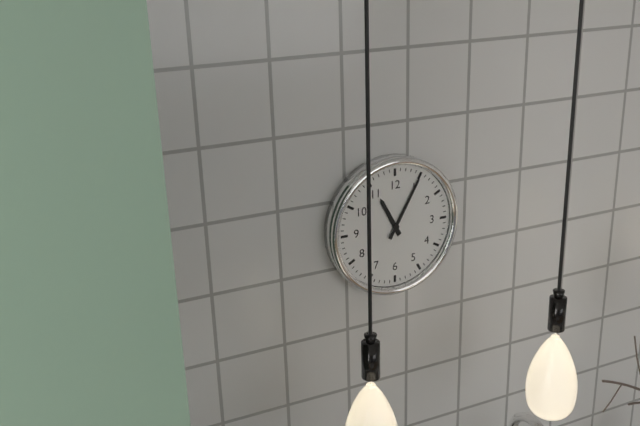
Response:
11h05
